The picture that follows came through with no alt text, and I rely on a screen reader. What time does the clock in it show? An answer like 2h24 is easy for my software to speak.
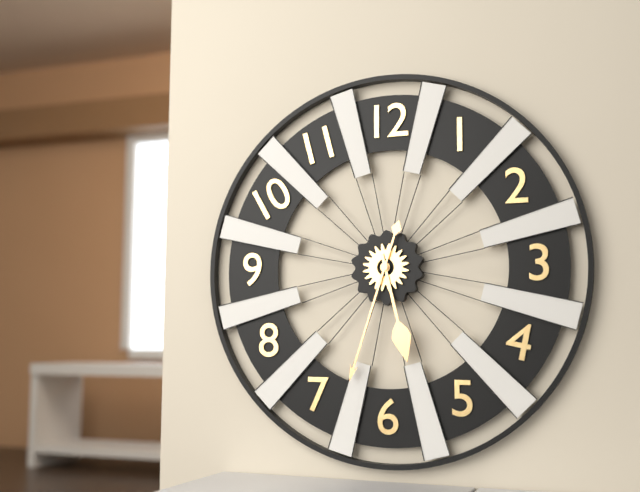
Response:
5h33
